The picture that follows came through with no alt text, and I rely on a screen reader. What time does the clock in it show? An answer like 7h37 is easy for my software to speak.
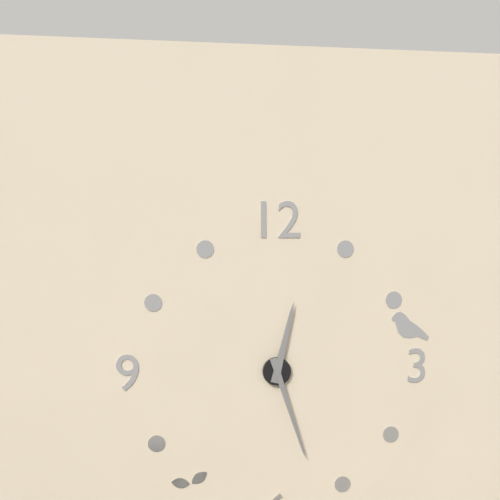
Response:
12h27
